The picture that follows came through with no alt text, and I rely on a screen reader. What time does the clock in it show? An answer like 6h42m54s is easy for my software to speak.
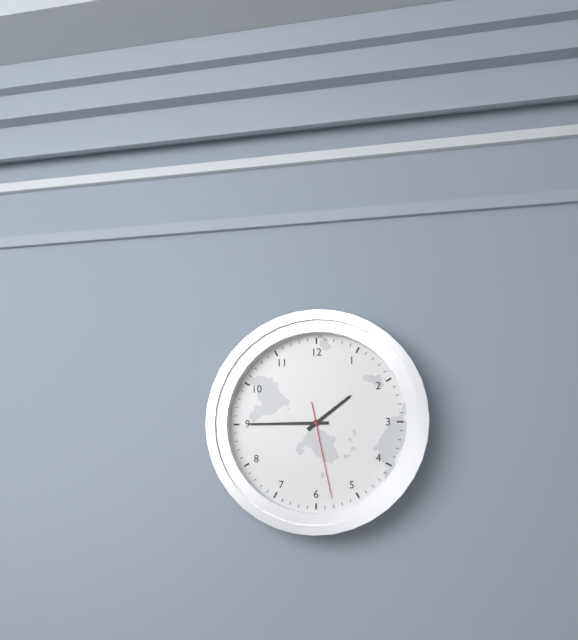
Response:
1h45m28s
